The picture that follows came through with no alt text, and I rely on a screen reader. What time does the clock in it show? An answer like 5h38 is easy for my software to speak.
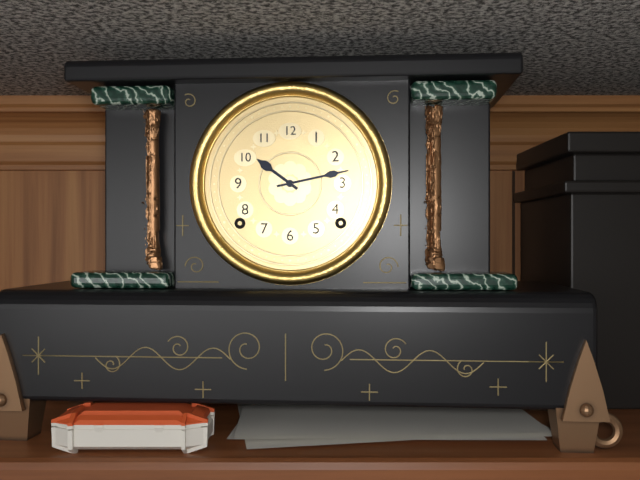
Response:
10h13
